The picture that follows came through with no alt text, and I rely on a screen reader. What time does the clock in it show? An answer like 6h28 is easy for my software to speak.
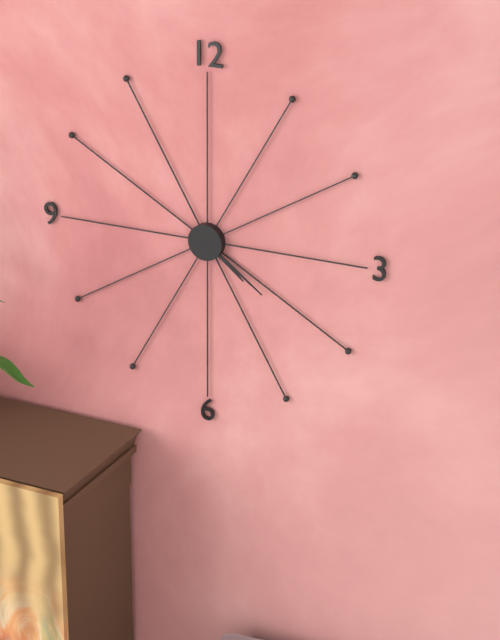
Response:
4h21
